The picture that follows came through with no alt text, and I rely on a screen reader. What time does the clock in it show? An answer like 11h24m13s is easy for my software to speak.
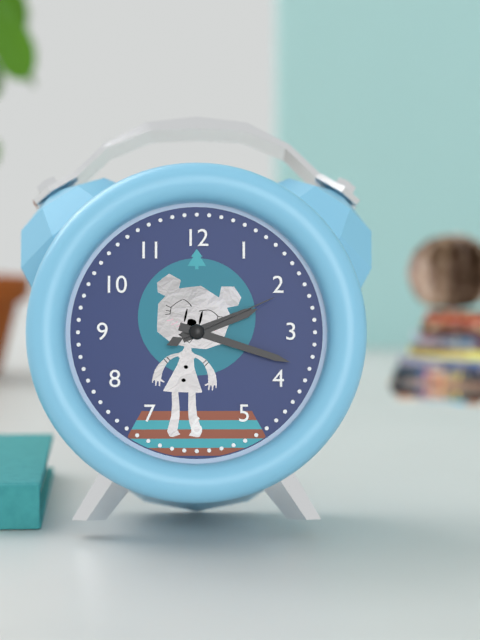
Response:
2h18m11s
